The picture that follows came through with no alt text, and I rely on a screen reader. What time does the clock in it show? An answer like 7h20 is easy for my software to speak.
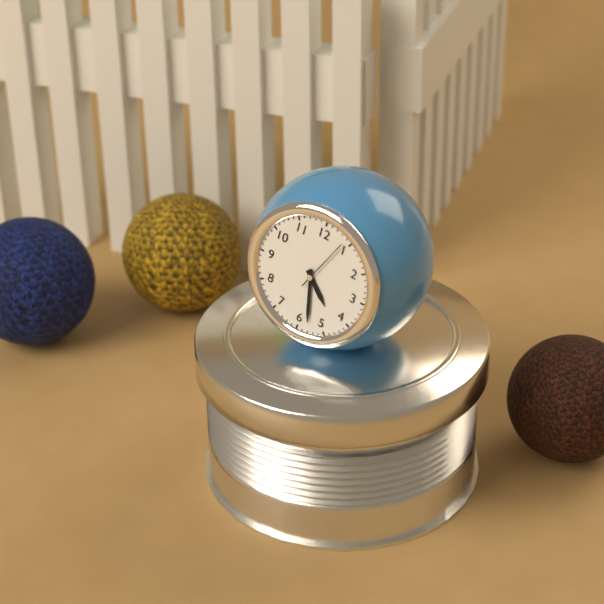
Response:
4h28
